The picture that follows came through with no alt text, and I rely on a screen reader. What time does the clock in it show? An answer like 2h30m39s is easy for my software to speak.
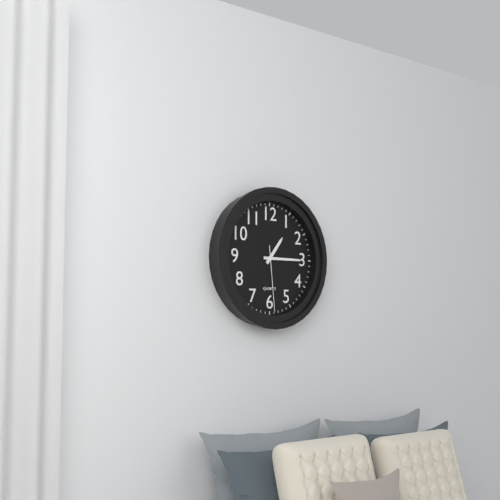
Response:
1h15m29s
